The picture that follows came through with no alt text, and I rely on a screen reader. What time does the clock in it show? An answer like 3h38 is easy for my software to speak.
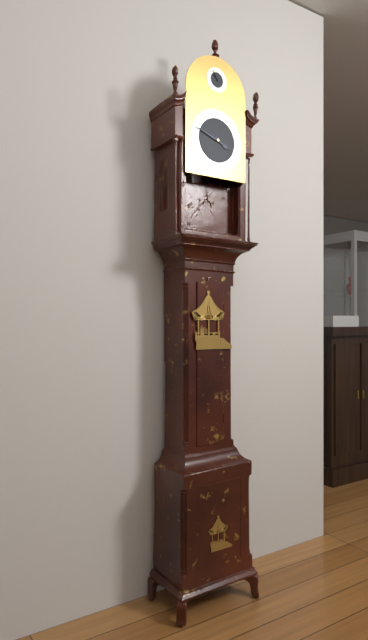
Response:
3h48
